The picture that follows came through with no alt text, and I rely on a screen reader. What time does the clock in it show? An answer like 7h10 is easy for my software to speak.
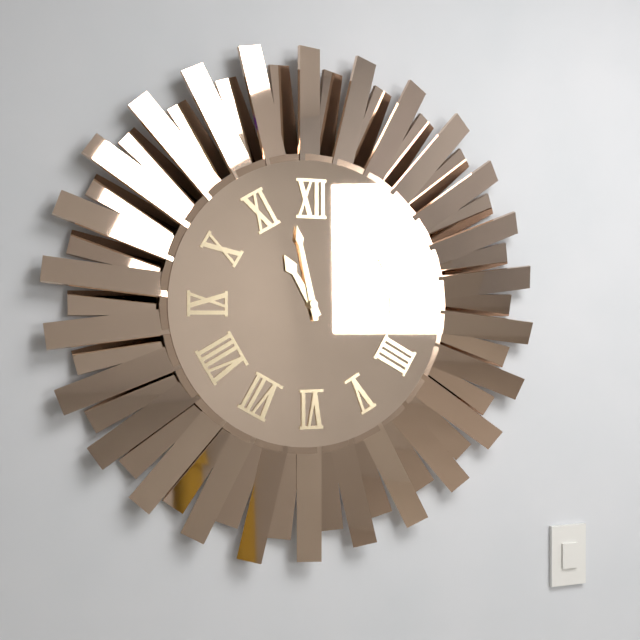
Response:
10h58
